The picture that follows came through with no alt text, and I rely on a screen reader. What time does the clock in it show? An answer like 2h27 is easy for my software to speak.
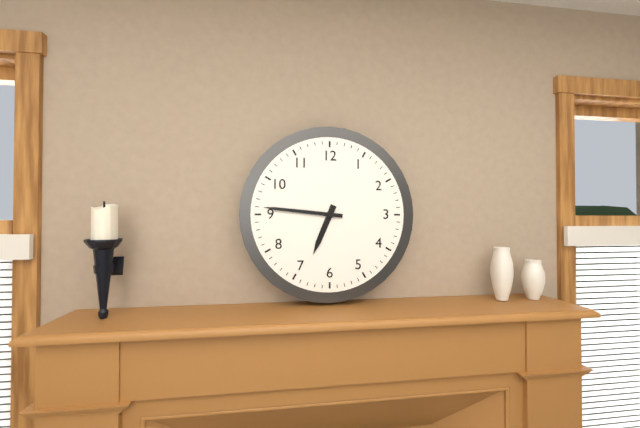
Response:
6h46
